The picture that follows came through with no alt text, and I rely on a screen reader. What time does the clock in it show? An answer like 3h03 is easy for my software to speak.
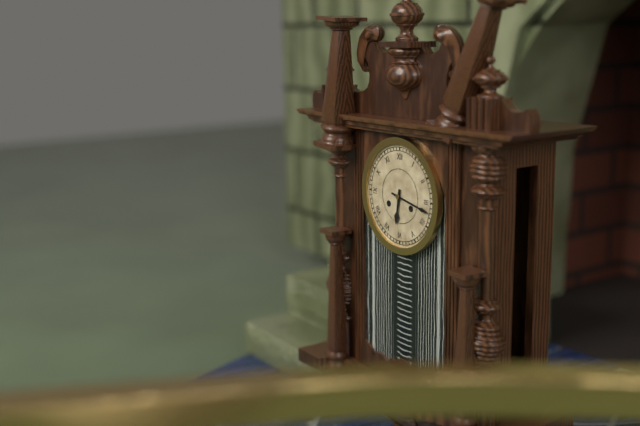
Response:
6h17
